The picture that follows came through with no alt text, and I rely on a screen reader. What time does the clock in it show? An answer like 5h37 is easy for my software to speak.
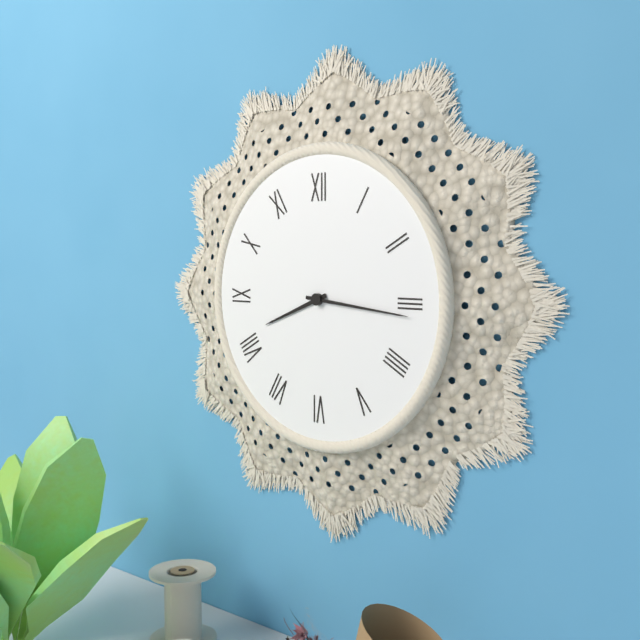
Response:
8h16
